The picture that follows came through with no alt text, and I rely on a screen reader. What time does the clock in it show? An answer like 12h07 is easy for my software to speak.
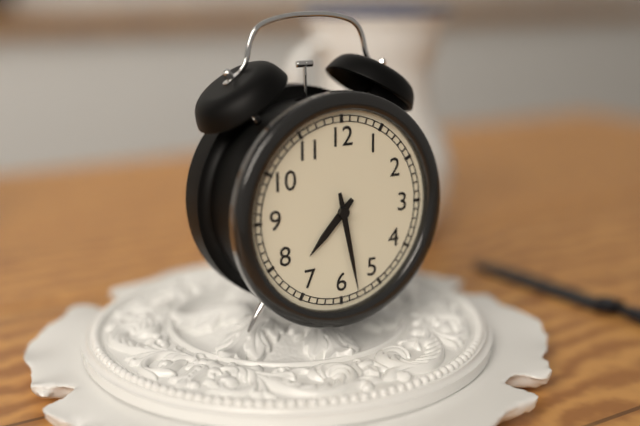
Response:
7h28
